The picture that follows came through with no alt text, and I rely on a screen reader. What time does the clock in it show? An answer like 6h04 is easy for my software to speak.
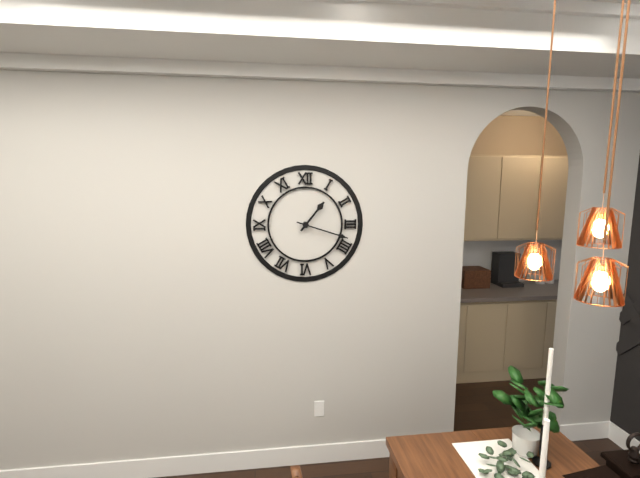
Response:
1h18
